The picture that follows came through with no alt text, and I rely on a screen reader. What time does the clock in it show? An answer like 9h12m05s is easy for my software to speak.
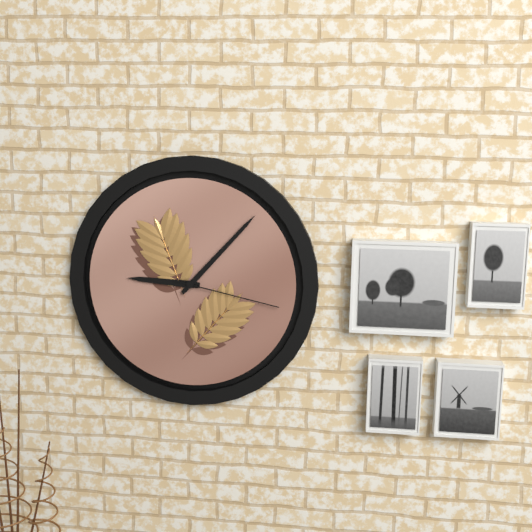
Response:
9h07m17s
